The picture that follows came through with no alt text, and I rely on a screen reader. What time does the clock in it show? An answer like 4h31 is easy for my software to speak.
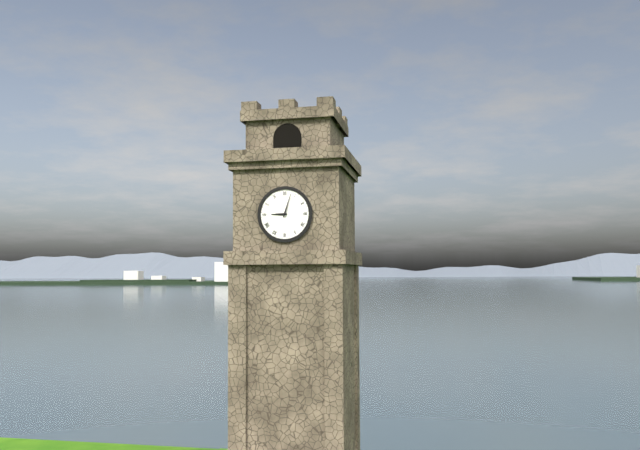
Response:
9h03
